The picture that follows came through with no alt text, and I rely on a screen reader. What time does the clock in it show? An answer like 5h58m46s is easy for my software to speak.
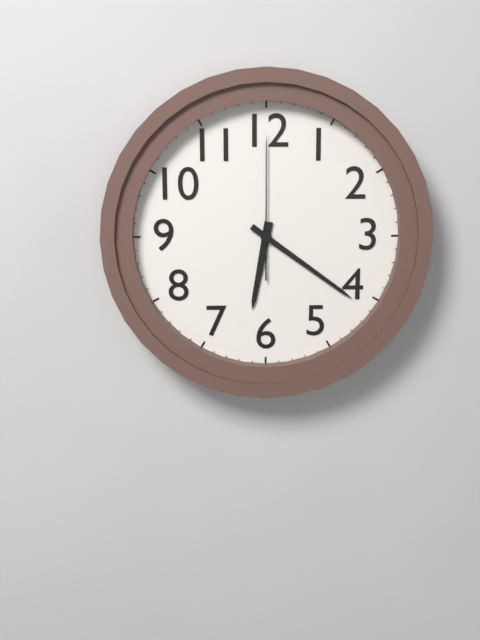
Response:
6h21m00s
